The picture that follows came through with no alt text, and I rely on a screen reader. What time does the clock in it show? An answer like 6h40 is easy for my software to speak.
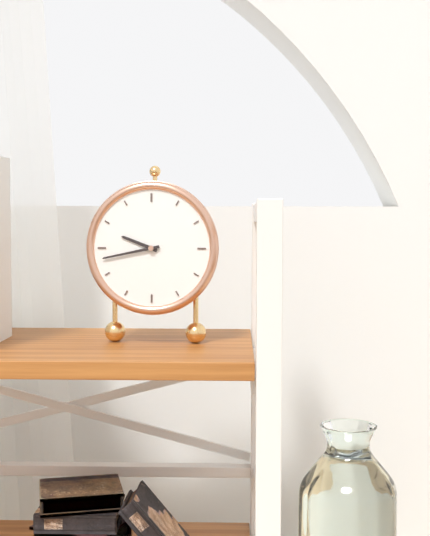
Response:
9h43
